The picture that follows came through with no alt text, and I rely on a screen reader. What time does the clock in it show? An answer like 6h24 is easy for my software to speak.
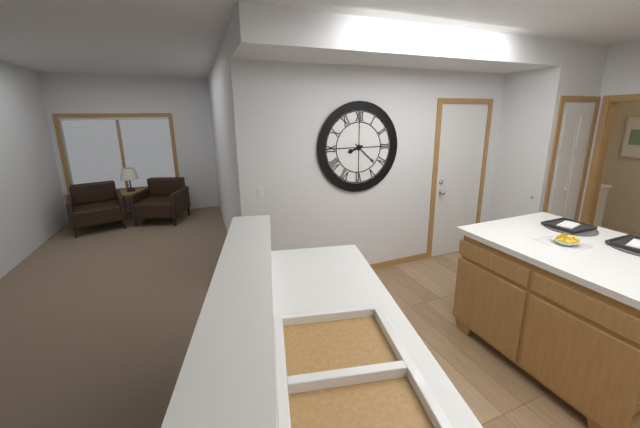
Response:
8h22
